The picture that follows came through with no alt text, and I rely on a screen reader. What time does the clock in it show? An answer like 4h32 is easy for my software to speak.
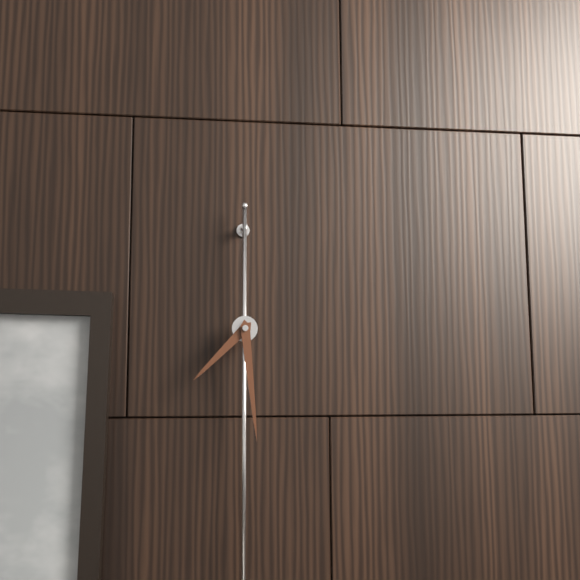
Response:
7h29
